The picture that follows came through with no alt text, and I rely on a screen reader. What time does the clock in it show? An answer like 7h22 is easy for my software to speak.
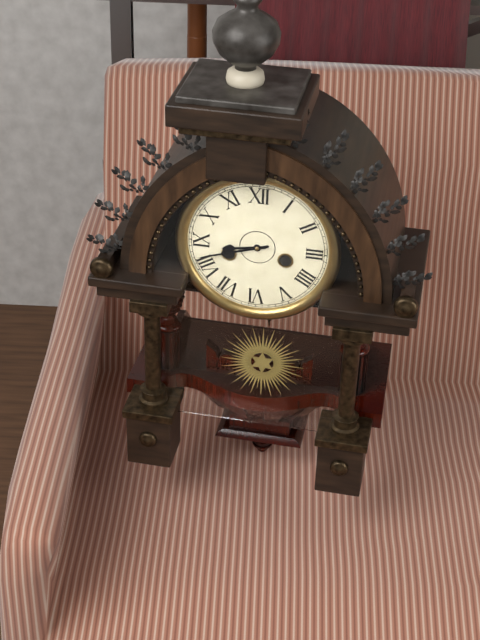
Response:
8h42
